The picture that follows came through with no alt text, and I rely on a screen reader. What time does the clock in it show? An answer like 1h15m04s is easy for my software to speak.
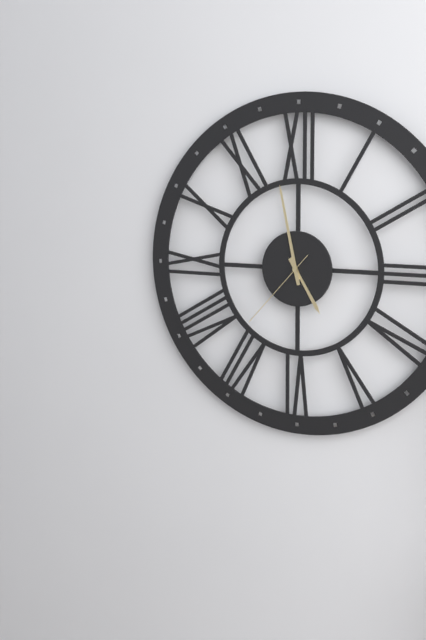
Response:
4h58m37s
